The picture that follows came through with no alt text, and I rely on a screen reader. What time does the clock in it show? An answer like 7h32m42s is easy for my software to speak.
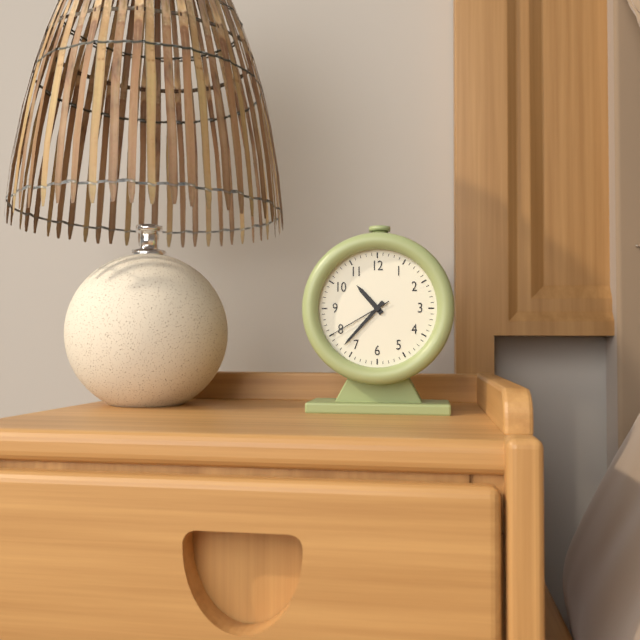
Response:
10h37m40s
